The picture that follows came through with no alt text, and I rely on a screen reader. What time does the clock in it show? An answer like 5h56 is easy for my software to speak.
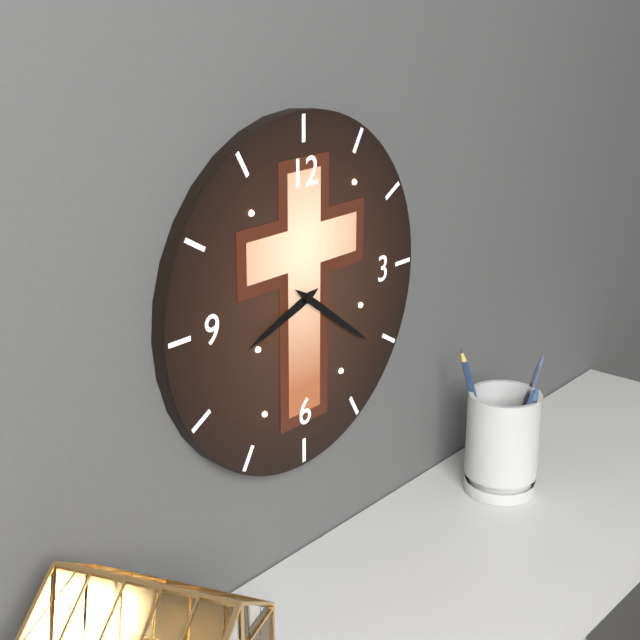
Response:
8h21
